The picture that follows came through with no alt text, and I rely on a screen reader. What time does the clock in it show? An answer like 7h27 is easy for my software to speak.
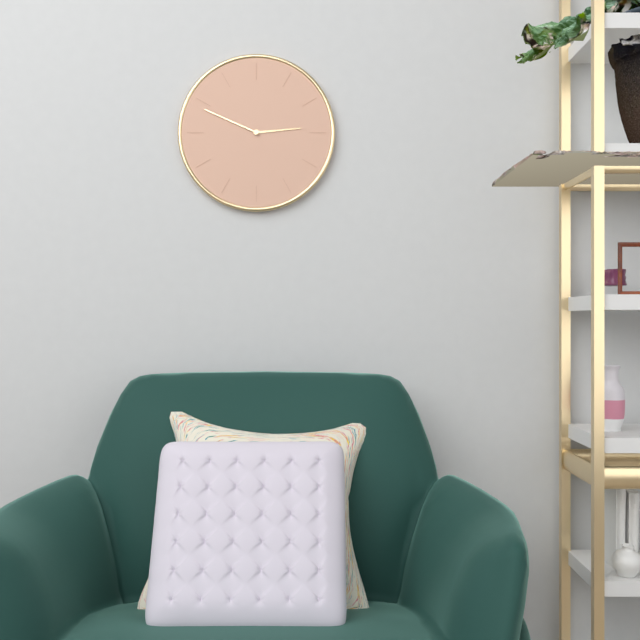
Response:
2h49
